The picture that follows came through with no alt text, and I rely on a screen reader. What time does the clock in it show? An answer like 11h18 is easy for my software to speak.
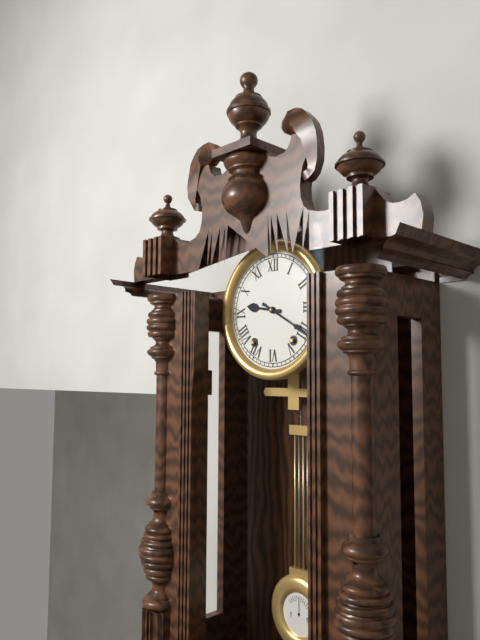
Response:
9h20
